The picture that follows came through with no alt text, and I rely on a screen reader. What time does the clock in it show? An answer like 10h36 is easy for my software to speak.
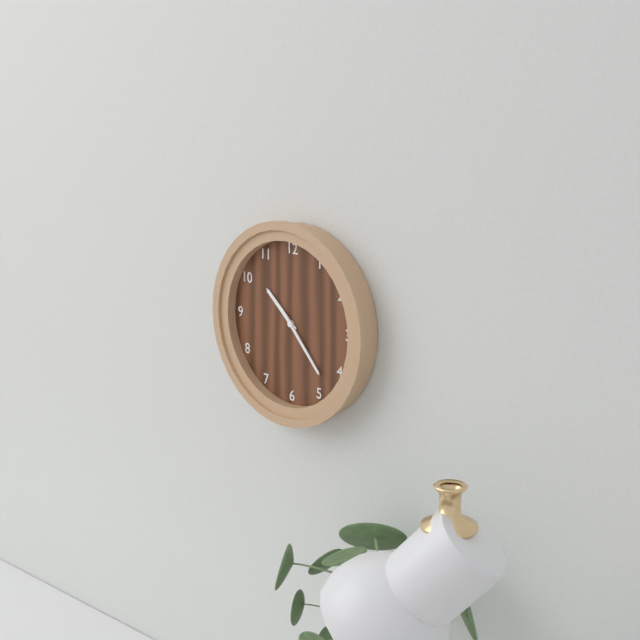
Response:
10h23
